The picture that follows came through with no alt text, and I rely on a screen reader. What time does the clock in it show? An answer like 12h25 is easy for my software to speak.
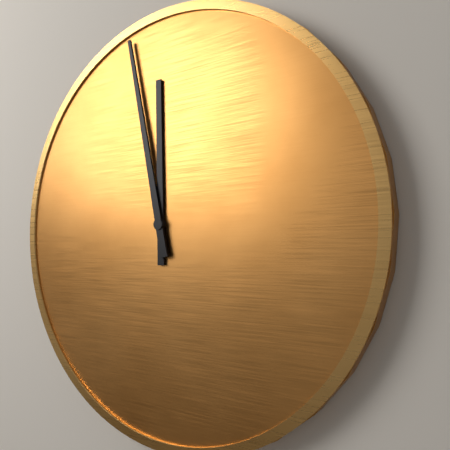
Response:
11h58
